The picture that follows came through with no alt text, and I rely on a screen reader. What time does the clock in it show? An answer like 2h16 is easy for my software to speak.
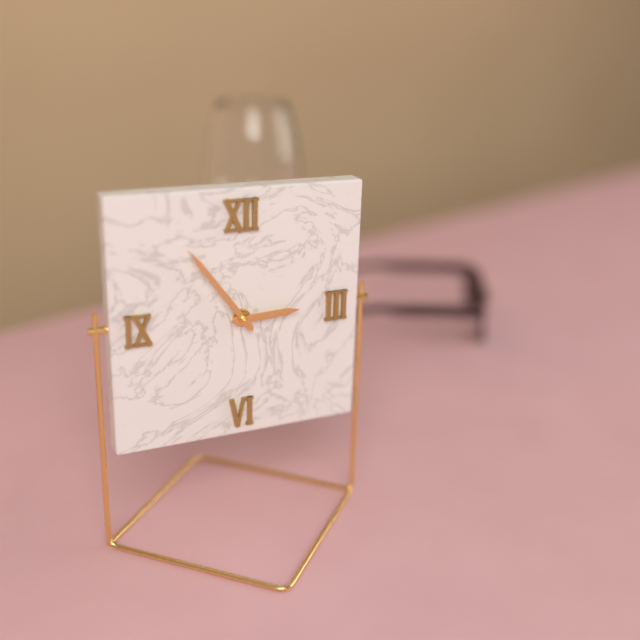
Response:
2h54
